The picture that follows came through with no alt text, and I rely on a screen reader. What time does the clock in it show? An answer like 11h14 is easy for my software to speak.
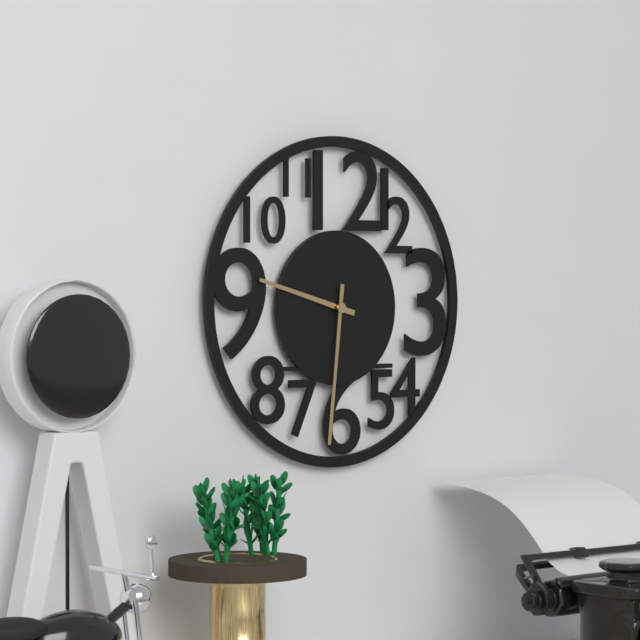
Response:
9h31
